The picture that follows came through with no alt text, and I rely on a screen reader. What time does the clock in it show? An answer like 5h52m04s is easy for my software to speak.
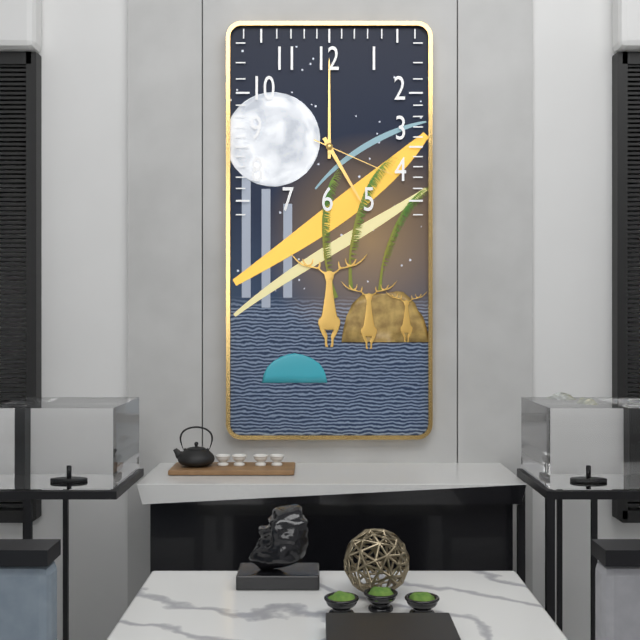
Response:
5h00m19s
